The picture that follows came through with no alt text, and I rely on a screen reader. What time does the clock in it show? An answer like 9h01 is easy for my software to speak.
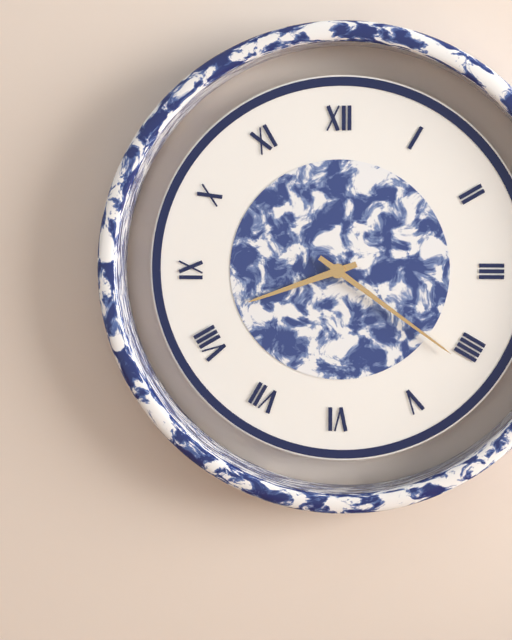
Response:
8h21
